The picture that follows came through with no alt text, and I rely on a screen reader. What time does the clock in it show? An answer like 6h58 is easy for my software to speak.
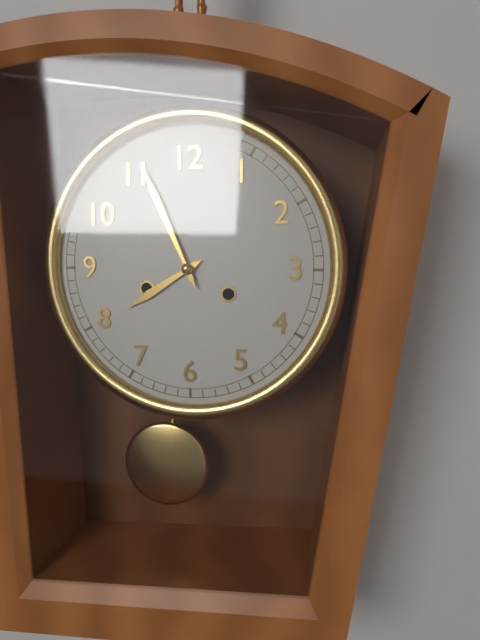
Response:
7h56
